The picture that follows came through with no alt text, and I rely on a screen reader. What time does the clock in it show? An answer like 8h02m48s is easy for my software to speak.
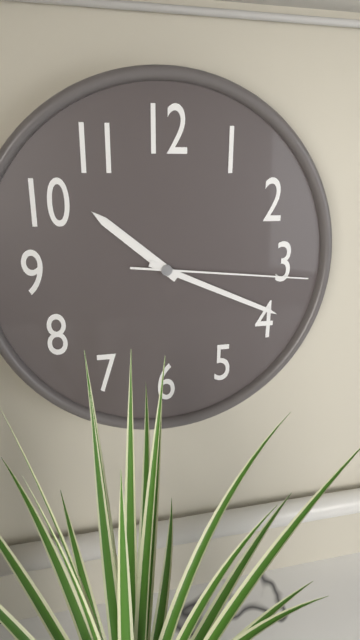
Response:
10h19m16s
